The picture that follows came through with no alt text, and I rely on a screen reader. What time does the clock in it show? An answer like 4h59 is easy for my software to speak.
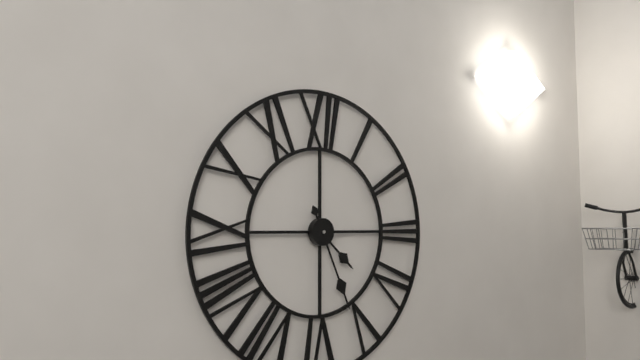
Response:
4h26
